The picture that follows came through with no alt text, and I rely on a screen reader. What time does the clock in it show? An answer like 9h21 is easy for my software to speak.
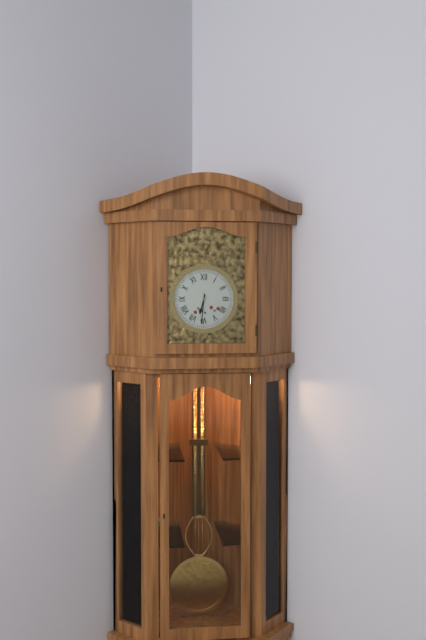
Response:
6h31
